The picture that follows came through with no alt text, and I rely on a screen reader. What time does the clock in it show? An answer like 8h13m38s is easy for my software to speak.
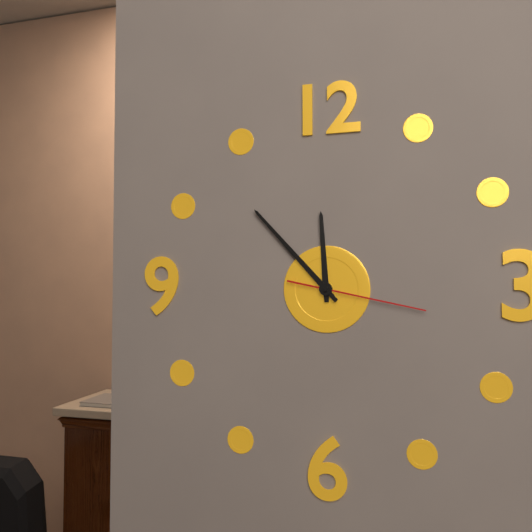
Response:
11h53m17s
